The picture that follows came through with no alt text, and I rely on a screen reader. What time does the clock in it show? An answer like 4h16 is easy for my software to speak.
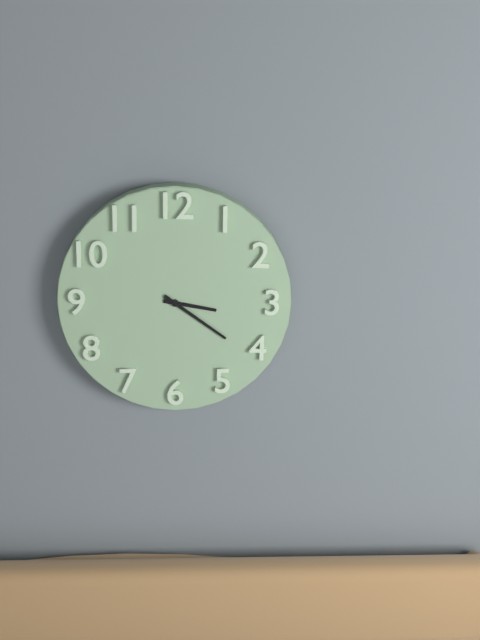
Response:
3h21
